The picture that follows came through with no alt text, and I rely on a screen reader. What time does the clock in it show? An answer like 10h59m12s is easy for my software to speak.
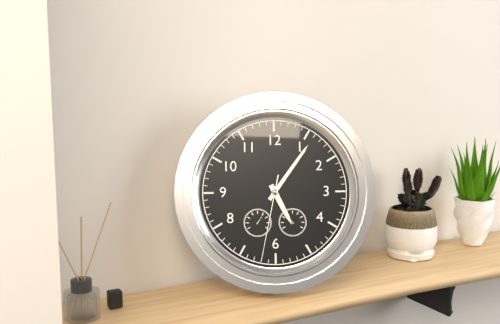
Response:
5h06m32s
